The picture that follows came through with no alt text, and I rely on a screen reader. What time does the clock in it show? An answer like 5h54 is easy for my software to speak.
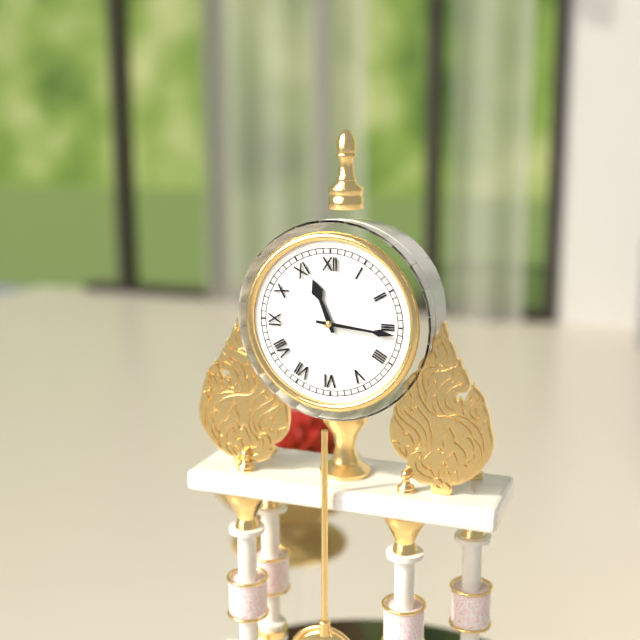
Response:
11h16
